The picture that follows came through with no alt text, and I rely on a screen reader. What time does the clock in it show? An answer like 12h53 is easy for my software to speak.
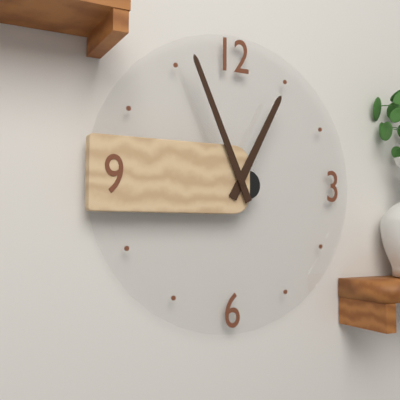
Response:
12h56
